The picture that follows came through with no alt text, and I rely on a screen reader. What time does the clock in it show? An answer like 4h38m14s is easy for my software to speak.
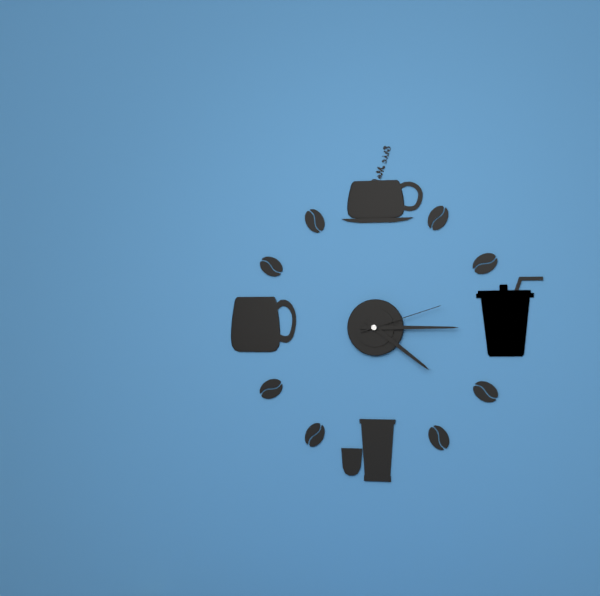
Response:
4h15m12s
